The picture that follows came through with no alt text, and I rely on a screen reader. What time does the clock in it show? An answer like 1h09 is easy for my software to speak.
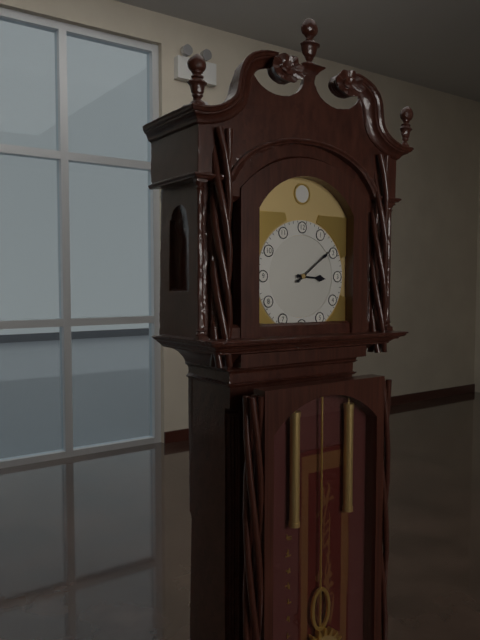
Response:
3h09
